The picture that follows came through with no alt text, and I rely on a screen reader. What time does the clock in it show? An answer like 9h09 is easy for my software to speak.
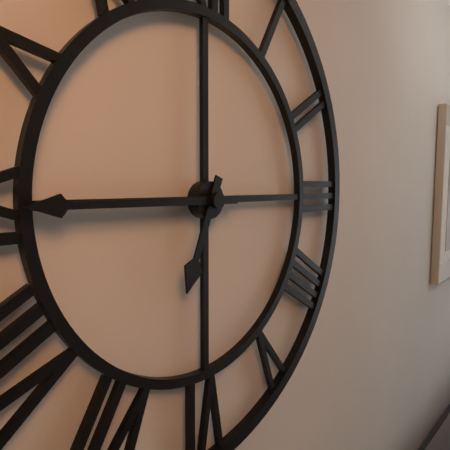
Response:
6h45
